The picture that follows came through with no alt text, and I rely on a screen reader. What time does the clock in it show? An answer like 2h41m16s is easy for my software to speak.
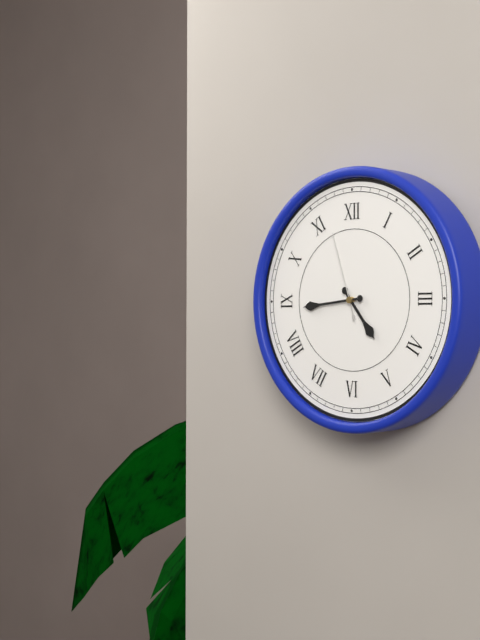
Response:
4h44m57s
